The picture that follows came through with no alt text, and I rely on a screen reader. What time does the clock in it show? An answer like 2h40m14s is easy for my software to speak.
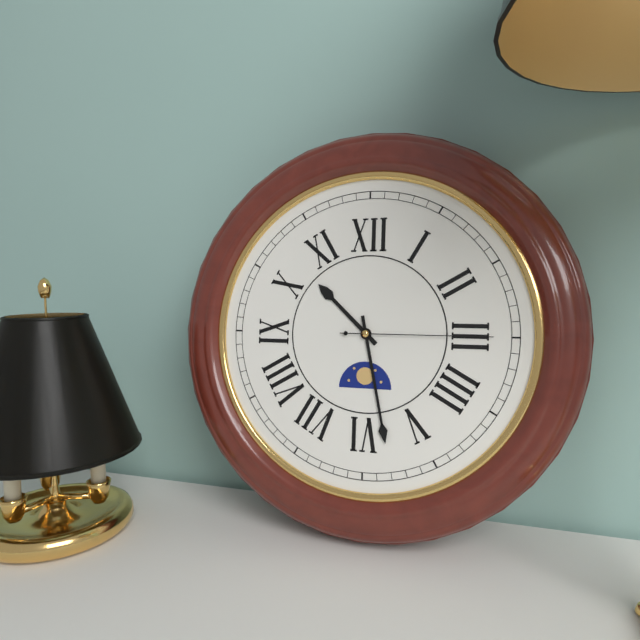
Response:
10h28m15s
